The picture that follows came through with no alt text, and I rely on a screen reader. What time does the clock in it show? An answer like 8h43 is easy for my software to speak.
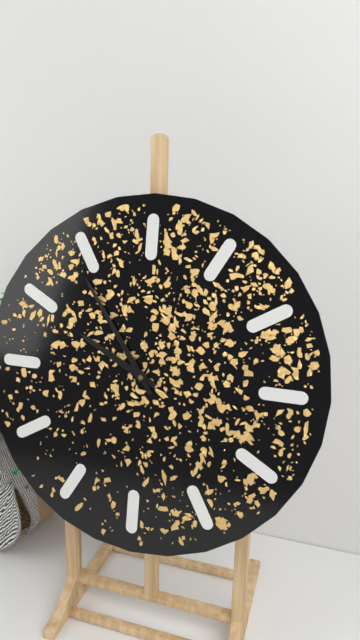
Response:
9h54
